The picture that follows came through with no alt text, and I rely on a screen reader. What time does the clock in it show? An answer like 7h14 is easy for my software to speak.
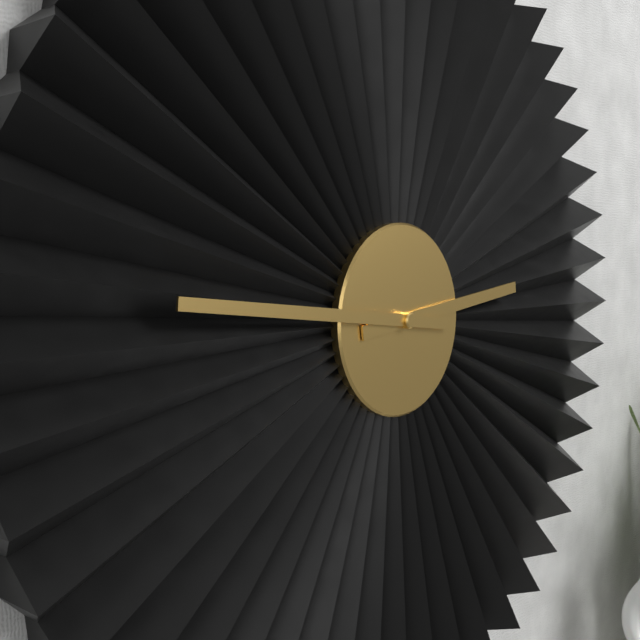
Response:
2h46
